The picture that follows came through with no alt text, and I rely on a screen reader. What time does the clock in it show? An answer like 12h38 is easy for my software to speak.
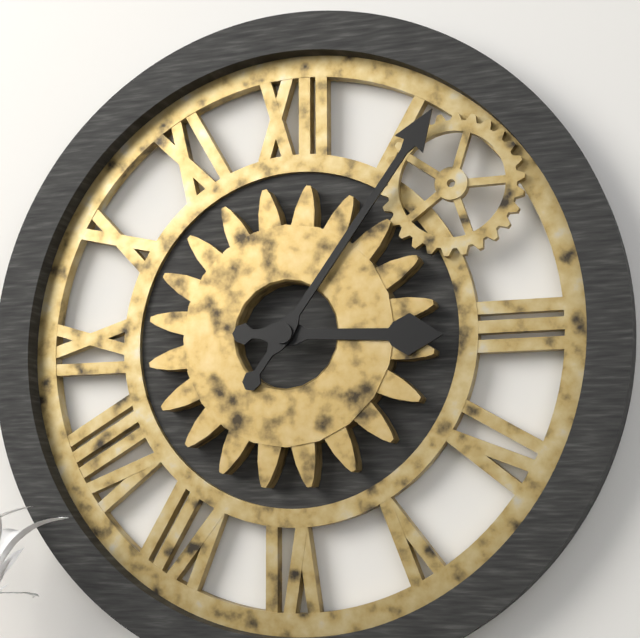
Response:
3h06
